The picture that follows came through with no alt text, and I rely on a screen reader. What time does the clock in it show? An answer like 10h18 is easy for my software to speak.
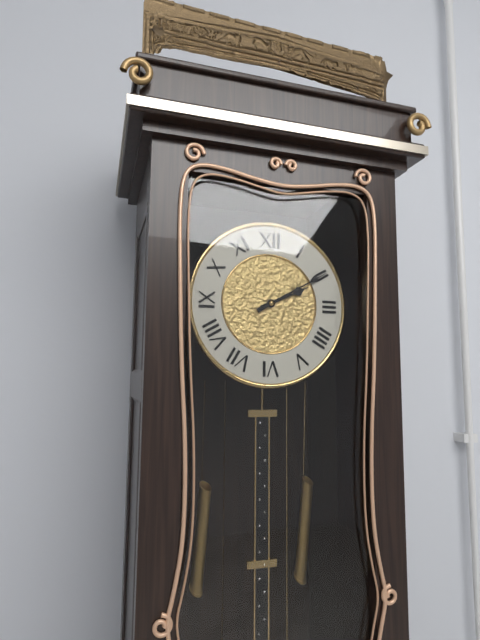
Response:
2h10
